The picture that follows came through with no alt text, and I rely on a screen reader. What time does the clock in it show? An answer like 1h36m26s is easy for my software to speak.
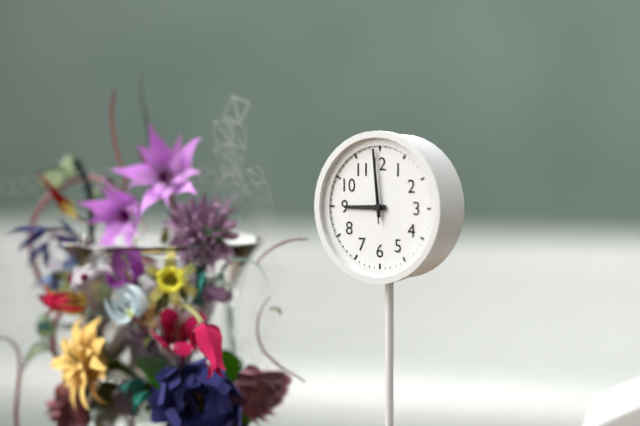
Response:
8h59m59s
